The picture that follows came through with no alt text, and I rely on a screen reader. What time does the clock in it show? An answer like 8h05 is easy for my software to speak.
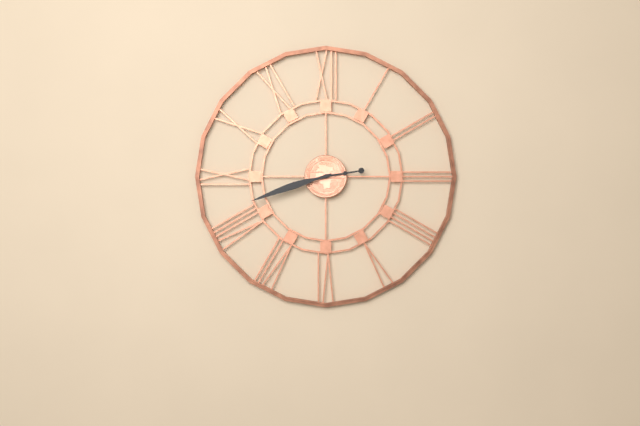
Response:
2h42
